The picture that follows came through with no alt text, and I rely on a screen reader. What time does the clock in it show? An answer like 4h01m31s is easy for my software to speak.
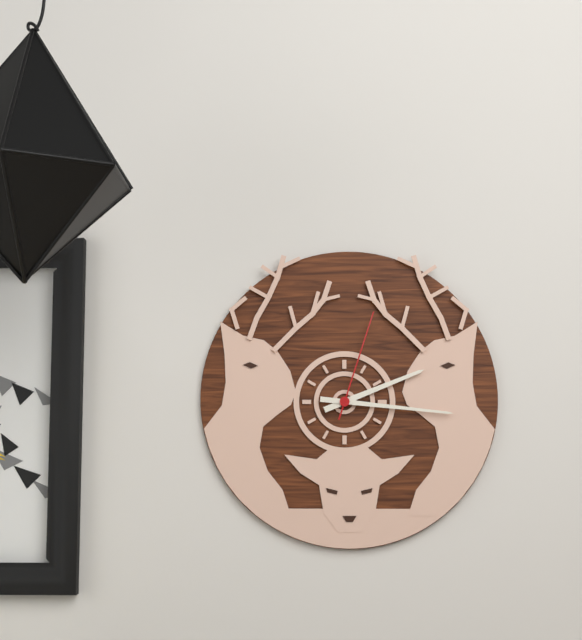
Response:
2h16m03s
